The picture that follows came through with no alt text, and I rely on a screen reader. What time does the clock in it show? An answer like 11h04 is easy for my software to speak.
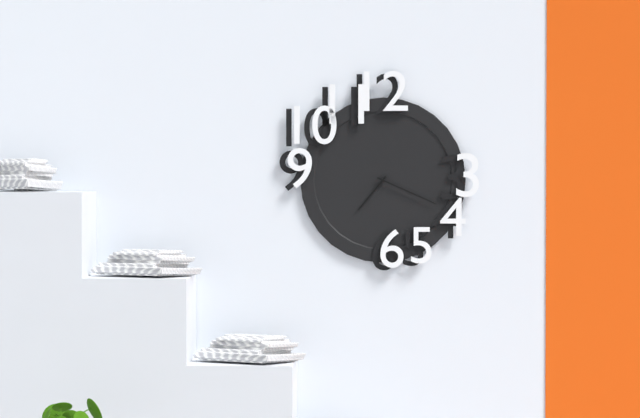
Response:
7h19
